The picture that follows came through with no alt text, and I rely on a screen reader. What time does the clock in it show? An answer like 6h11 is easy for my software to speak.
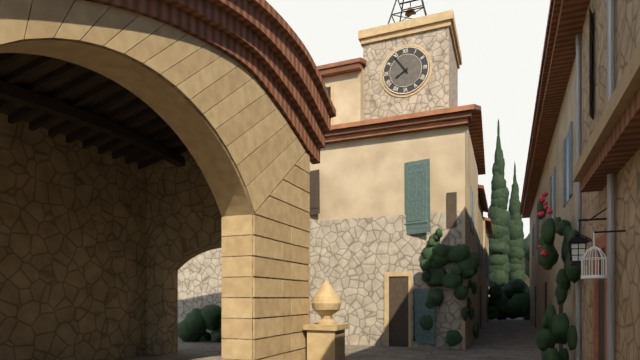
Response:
7h54
